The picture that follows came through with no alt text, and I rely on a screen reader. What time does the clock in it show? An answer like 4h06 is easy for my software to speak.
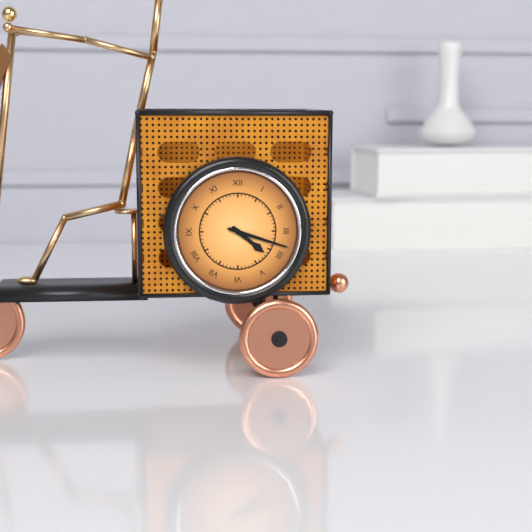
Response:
4h18
